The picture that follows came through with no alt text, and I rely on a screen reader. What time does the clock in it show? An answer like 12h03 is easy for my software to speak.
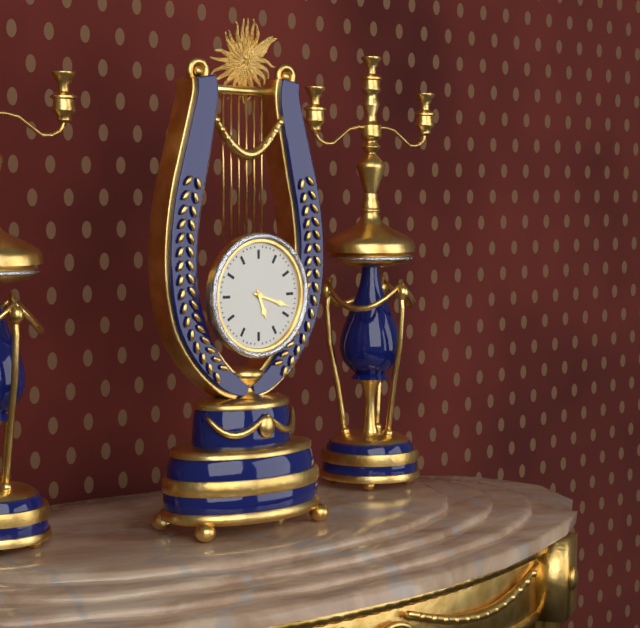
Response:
5h18
